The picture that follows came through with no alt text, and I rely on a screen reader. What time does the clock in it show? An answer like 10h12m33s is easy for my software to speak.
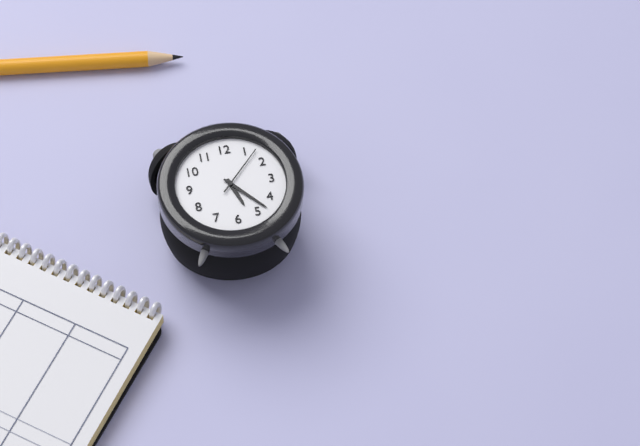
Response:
5h23m07s
